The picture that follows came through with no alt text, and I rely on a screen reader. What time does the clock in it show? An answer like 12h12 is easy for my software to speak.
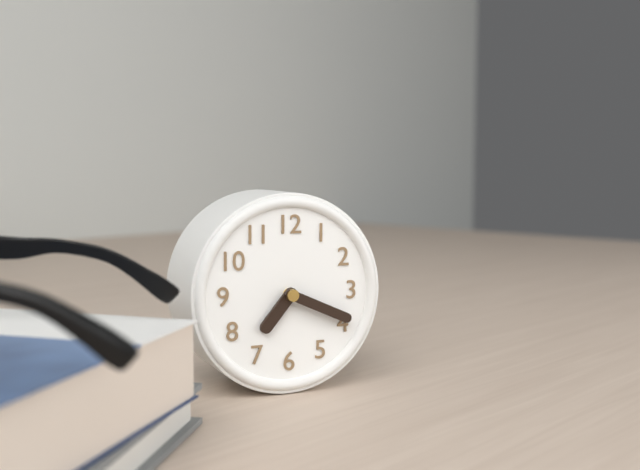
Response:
7h19
